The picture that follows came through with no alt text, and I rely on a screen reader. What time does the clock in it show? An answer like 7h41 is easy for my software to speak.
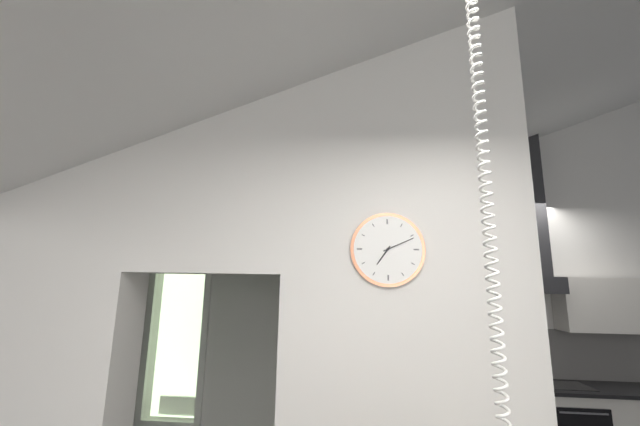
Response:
7h11
